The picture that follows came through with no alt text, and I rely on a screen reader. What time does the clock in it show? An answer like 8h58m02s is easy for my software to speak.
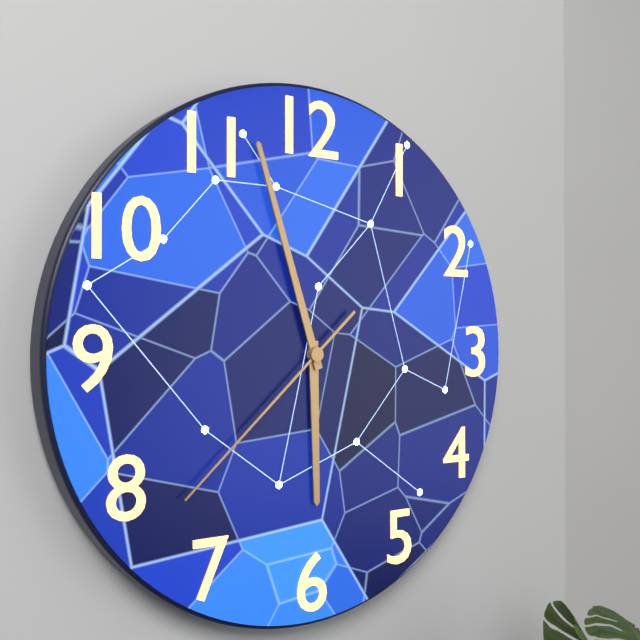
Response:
5h57m38s
